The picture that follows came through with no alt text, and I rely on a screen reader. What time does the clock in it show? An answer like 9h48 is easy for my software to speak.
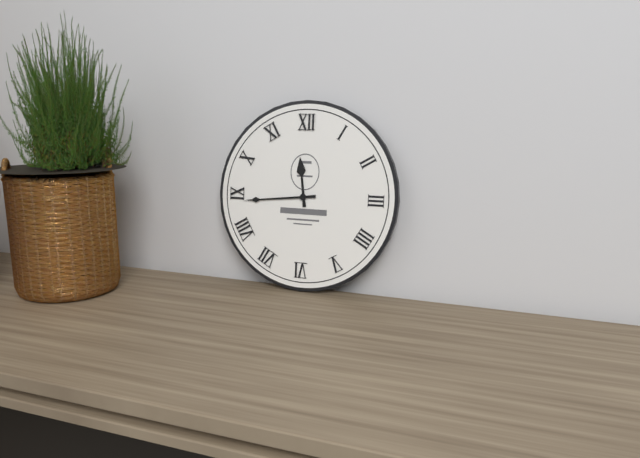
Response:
11h44
